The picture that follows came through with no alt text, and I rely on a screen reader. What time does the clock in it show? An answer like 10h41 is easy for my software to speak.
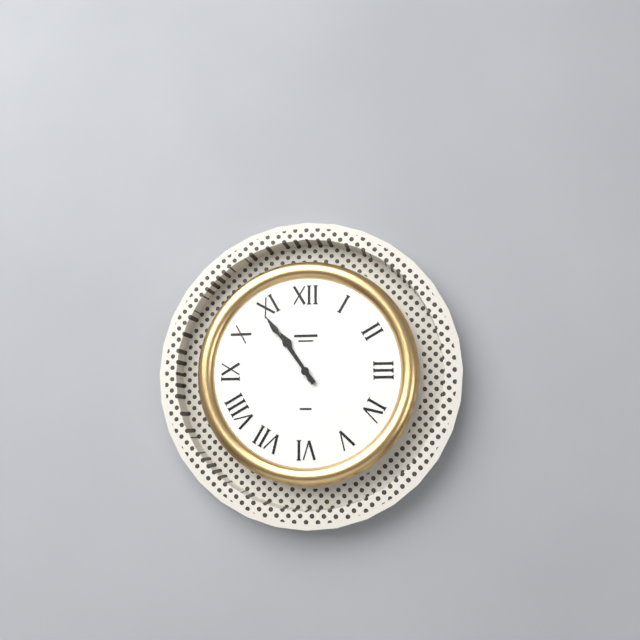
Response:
10h54
